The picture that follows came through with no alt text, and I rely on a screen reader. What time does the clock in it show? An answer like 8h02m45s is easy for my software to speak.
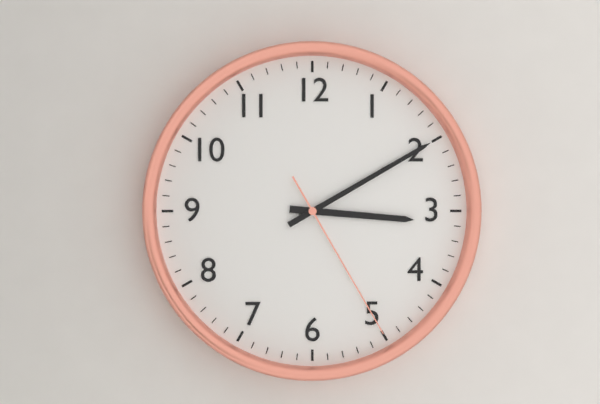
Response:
3h10m25s
